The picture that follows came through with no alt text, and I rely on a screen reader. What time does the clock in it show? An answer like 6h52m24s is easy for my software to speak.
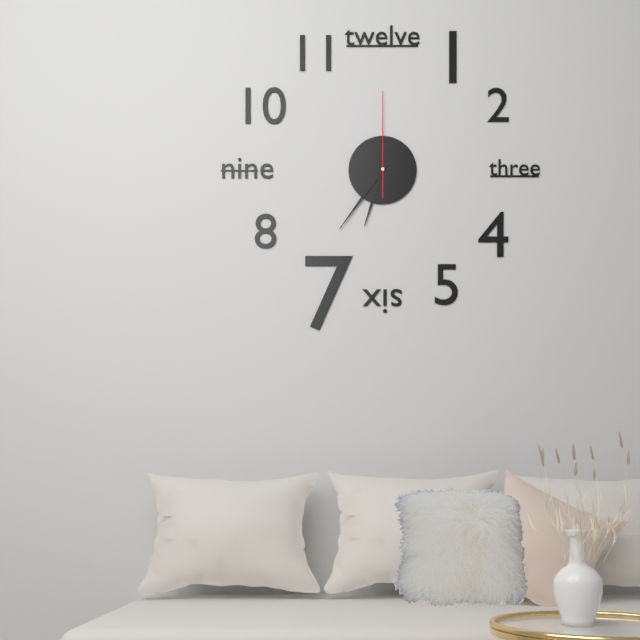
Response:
6h36m00s
